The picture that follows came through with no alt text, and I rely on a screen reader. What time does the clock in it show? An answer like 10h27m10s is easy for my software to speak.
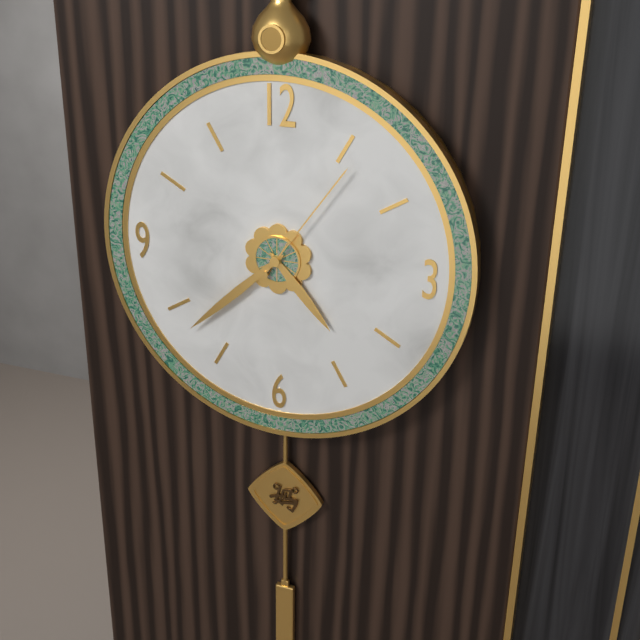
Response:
4h38m06s
